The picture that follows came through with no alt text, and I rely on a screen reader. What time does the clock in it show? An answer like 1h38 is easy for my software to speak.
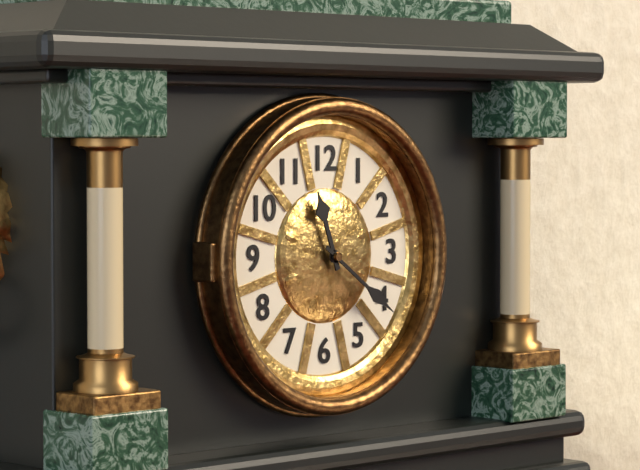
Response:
11h21
